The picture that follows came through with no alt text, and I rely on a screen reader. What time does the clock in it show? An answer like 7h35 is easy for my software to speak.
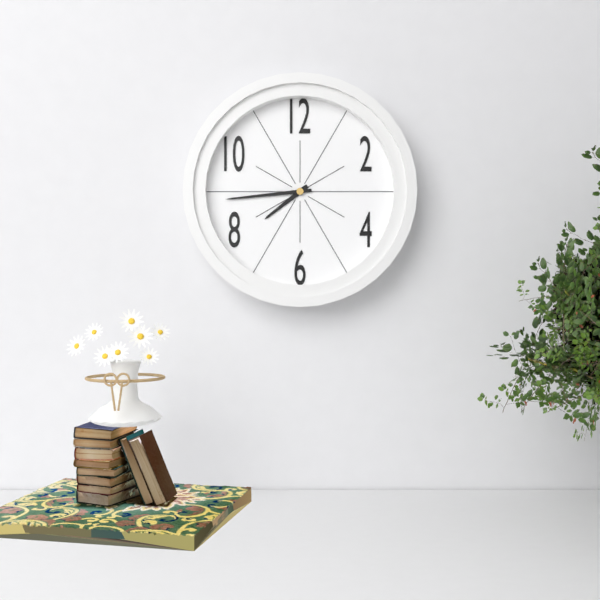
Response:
7h44
